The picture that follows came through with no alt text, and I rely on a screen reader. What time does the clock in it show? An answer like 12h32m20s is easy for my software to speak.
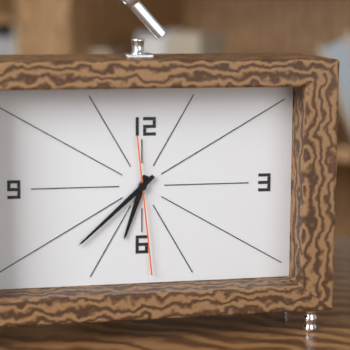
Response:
6h38m29s
